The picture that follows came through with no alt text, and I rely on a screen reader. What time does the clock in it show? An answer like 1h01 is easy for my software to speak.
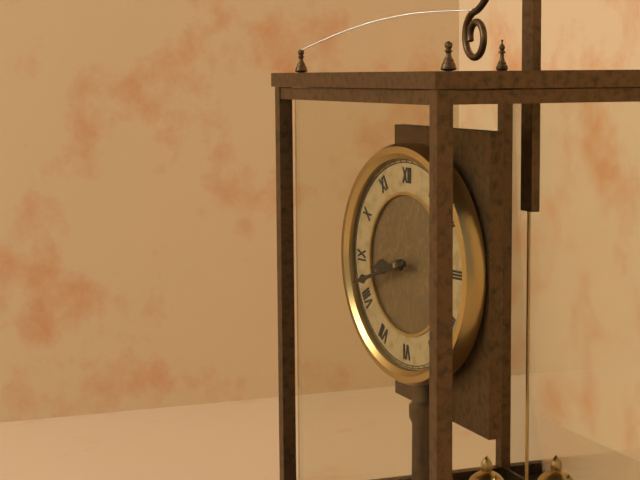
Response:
8h42
